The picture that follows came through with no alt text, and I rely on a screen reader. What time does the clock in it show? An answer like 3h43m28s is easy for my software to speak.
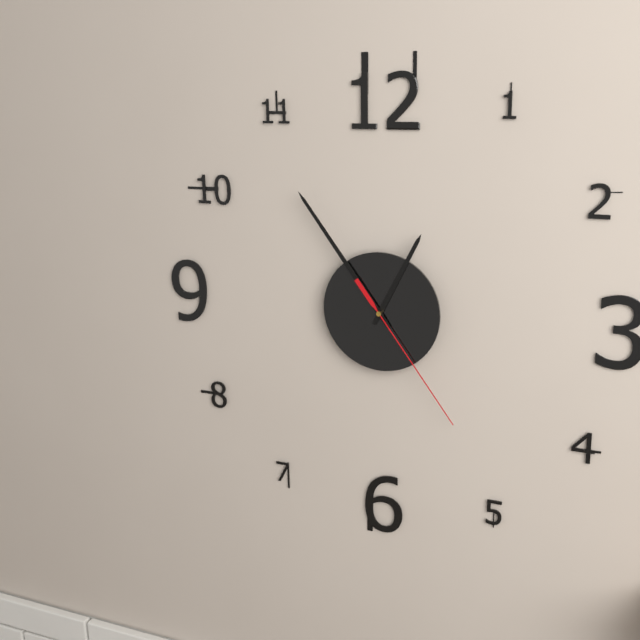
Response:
12h54m24s
